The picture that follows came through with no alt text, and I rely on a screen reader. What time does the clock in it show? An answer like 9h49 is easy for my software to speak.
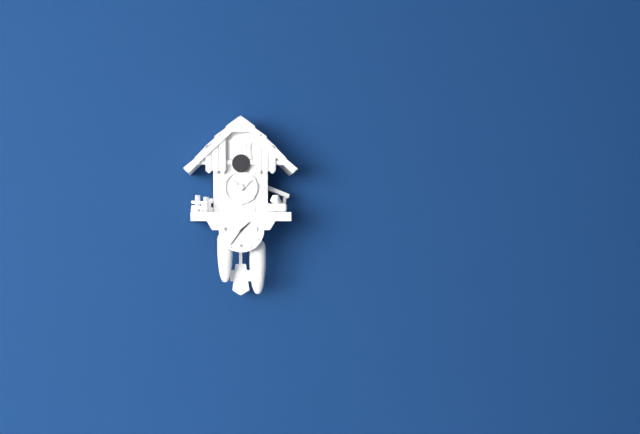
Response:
1h36
